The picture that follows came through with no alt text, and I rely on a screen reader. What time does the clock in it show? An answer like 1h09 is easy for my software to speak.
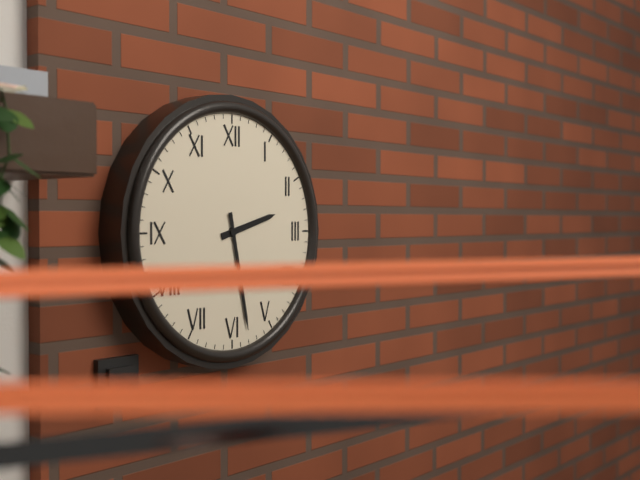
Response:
2h28
